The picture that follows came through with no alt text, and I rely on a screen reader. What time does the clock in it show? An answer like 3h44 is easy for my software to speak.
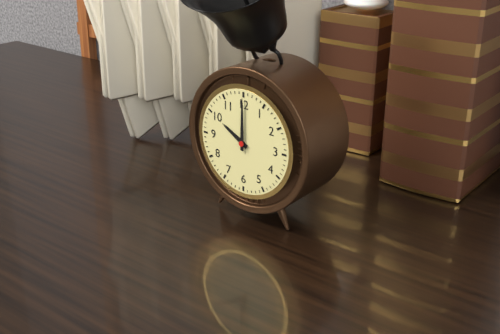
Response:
10h00
